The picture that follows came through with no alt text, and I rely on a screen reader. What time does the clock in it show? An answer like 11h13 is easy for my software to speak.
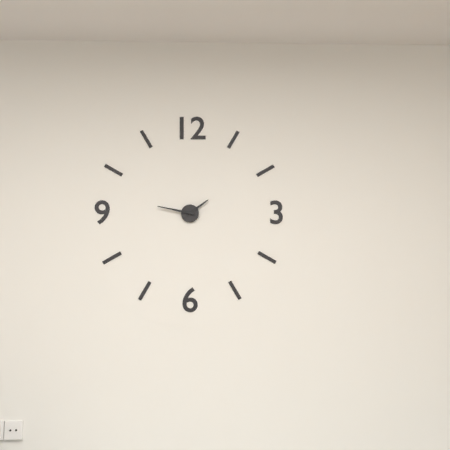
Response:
1h47
